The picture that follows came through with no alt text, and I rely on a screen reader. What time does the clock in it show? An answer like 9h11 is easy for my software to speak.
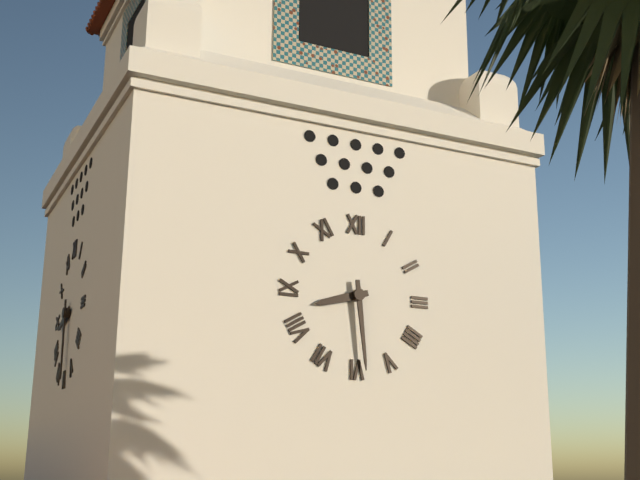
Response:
8h29
